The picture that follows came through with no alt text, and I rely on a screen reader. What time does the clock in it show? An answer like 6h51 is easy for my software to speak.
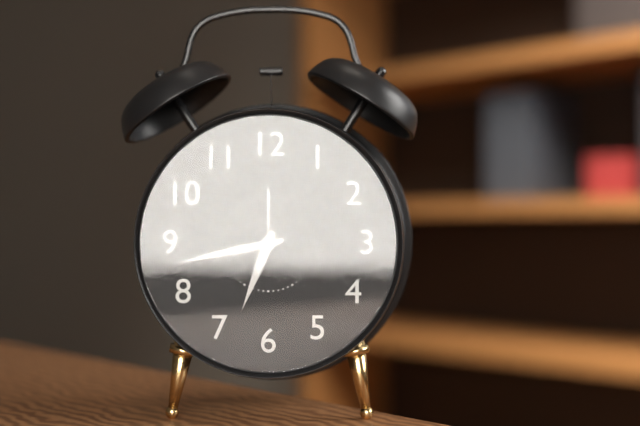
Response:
6h43
